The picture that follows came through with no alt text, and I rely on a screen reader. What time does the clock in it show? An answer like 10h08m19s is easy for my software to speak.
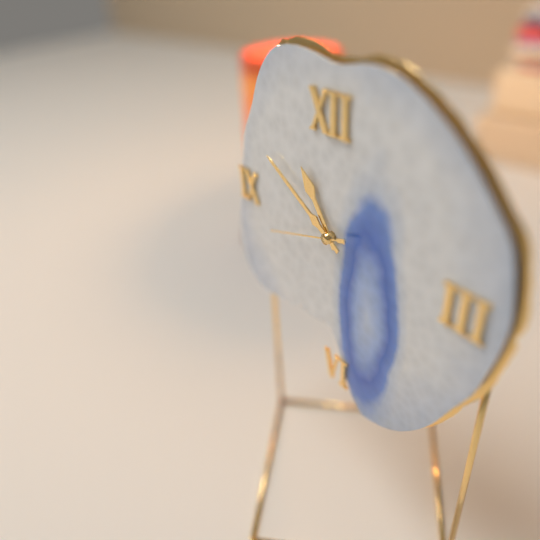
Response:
10h50m42s
